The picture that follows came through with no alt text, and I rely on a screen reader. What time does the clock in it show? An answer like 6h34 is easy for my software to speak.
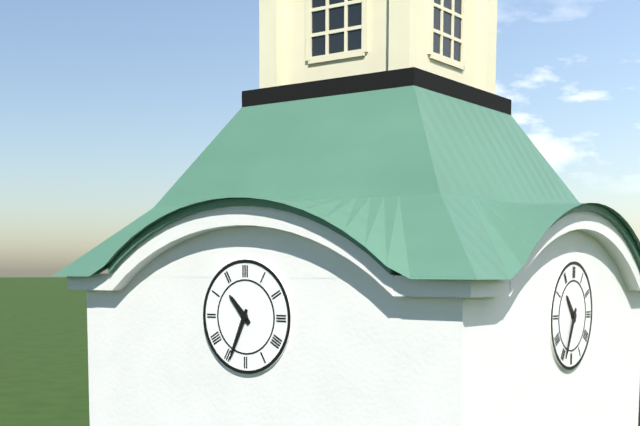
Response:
10h34
